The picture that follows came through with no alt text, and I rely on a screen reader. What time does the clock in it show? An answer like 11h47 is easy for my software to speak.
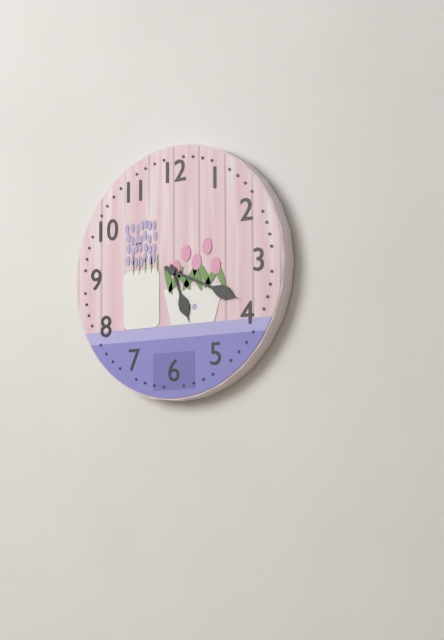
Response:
5h19
